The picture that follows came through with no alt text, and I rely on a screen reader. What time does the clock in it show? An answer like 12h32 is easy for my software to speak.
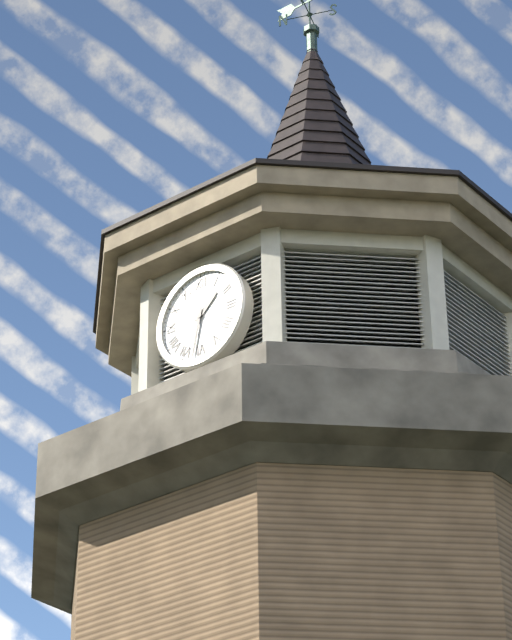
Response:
1h32
